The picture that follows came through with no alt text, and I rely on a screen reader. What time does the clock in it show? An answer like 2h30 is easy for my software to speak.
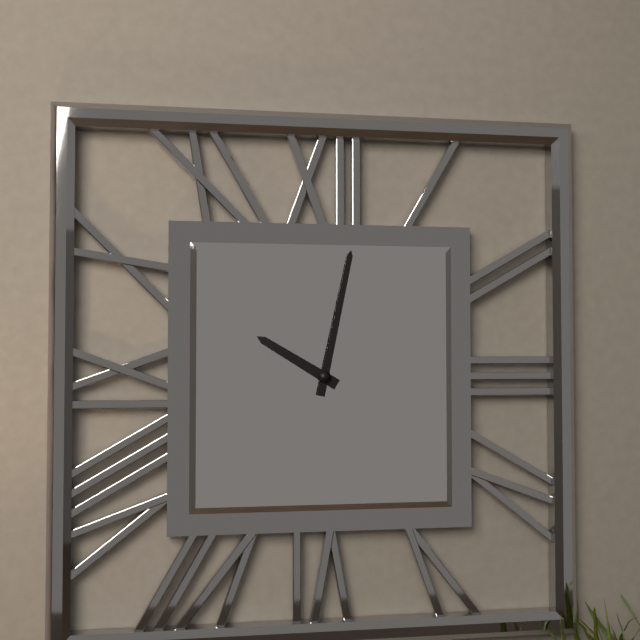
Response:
10h02
